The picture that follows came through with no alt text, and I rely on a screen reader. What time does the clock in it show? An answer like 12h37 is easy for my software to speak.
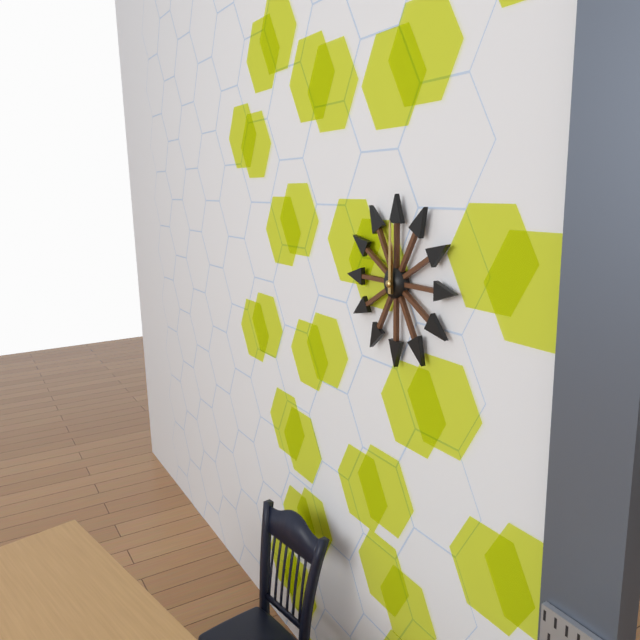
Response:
12h00
